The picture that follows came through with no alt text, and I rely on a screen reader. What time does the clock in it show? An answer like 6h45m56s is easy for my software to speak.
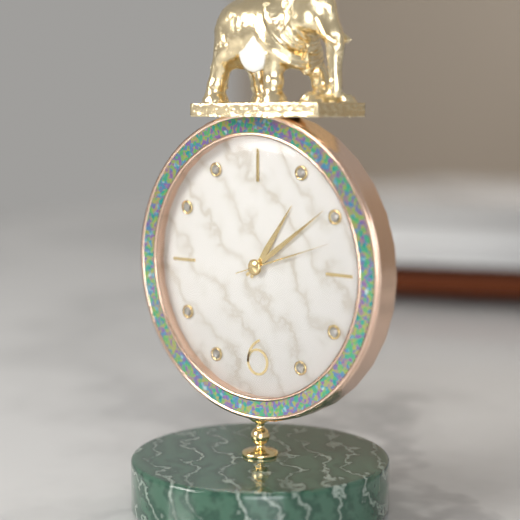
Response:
1h09m12s
